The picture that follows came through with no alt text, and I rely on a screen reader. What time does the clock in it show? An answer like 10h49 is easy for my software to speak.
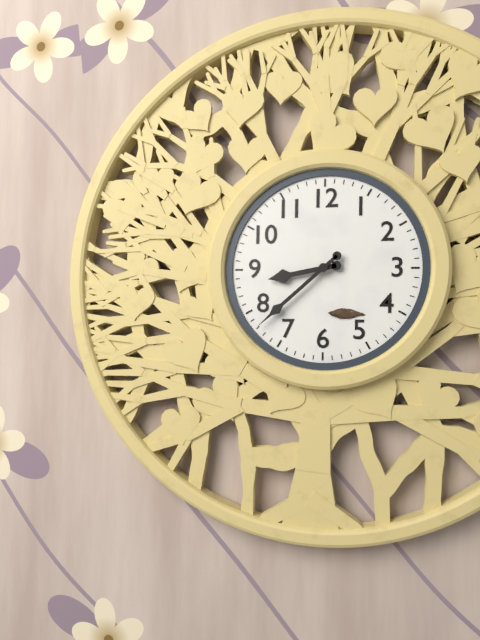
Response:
8h38
